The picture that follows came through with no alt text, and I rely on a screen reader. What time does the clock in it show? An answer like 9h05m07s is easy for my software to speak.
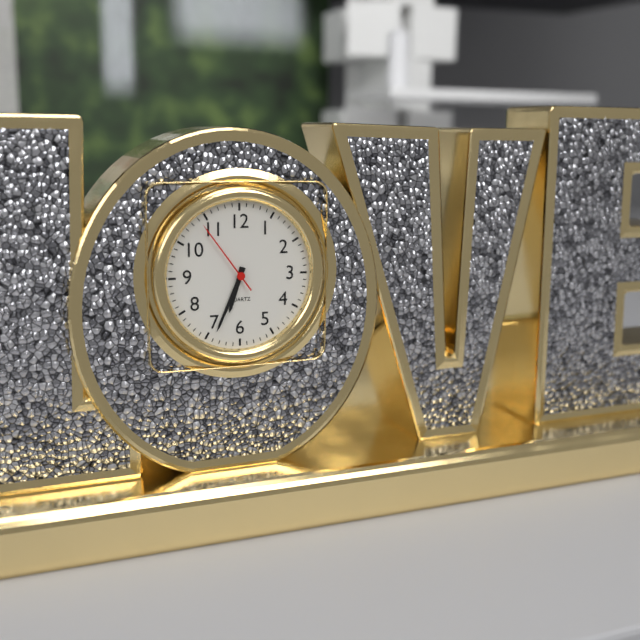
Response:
6h34m54s
